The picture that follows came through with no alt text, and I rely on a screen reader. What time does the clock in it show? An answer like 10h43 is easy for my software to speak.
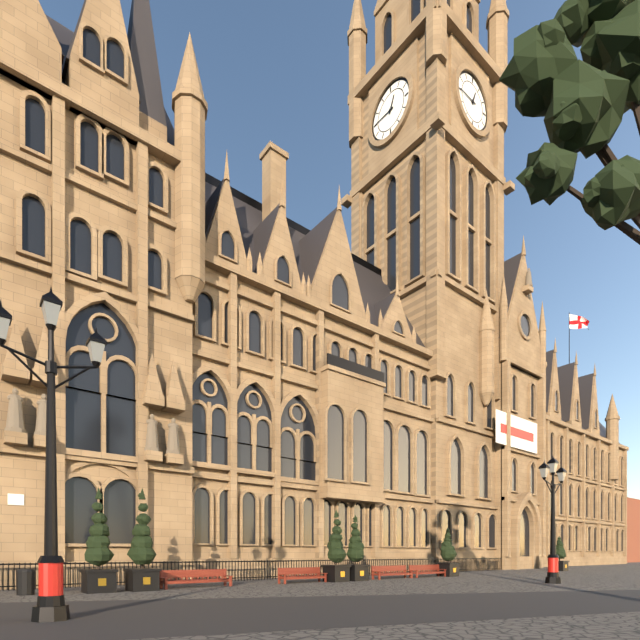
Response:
12h45
